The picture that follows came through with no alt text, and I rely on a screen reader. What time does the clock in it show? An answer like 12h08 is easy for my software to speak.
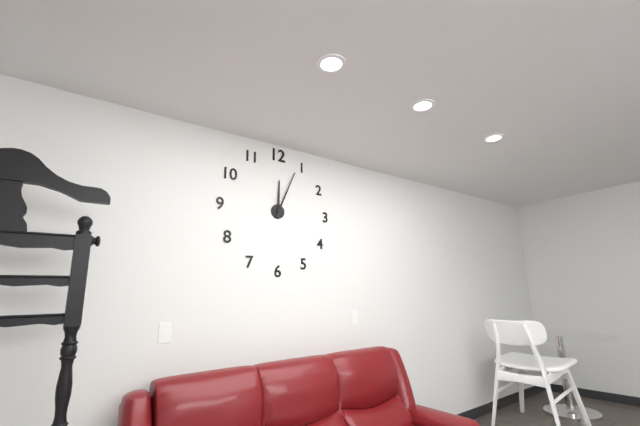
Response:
12h04
